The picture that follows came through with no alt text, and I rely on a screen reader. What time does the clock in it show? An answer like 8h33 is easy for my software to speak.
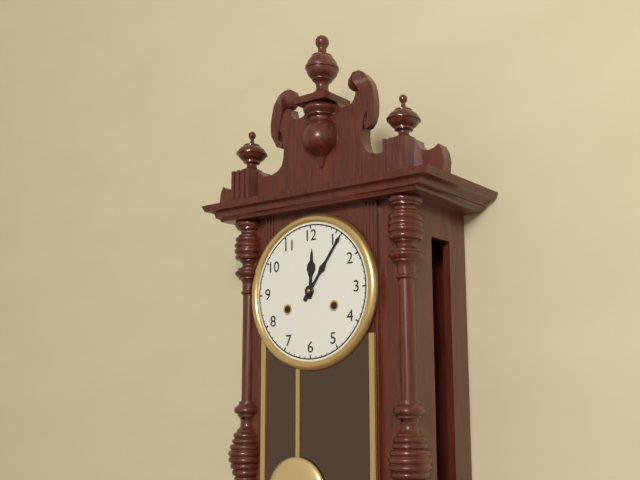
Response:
12h06
